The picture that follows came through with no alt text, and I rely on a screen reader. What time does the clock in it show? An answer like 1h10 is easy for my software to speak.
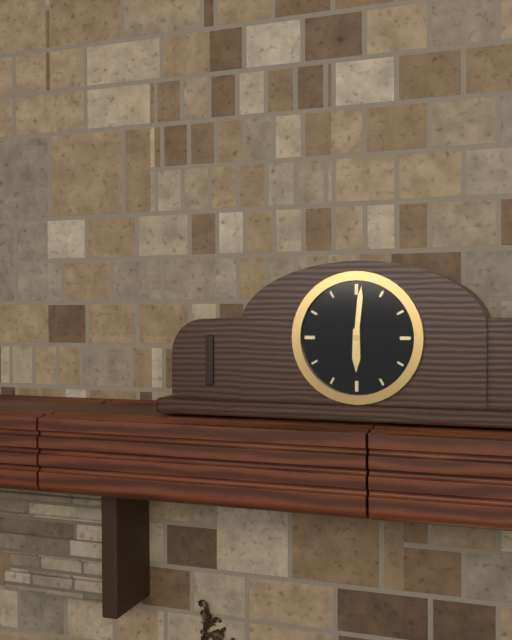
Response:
6h01
